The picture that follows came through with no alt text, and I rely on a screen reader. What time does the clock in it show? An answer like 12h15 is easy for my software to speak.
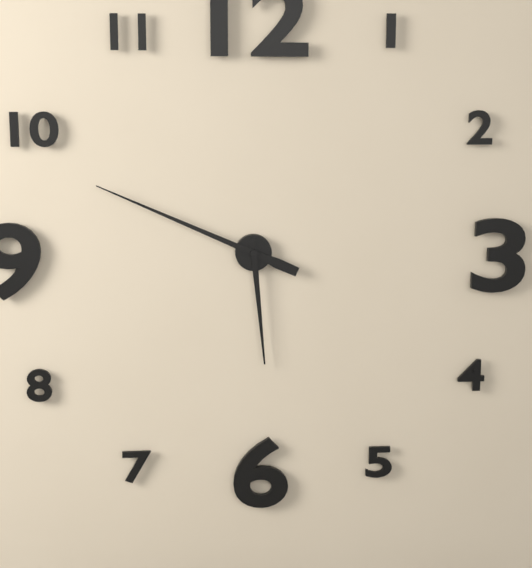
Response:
5h49
